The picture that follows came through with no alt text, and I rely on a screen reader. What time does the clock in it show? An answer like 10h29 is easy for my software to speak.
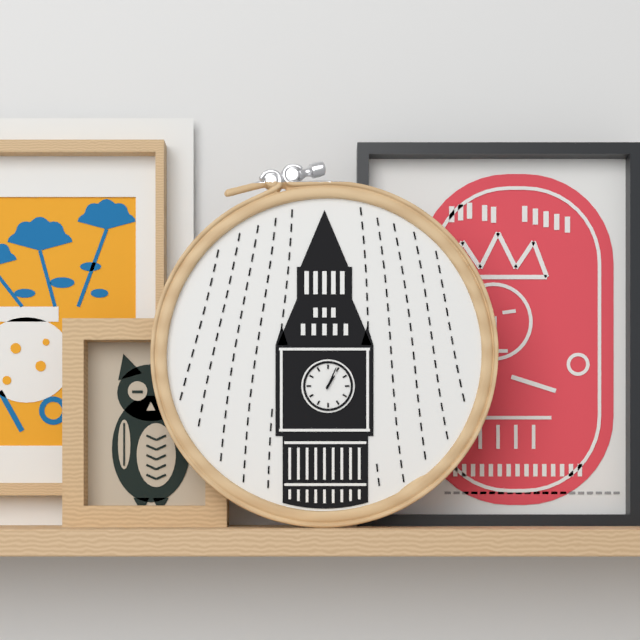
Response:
1h04
